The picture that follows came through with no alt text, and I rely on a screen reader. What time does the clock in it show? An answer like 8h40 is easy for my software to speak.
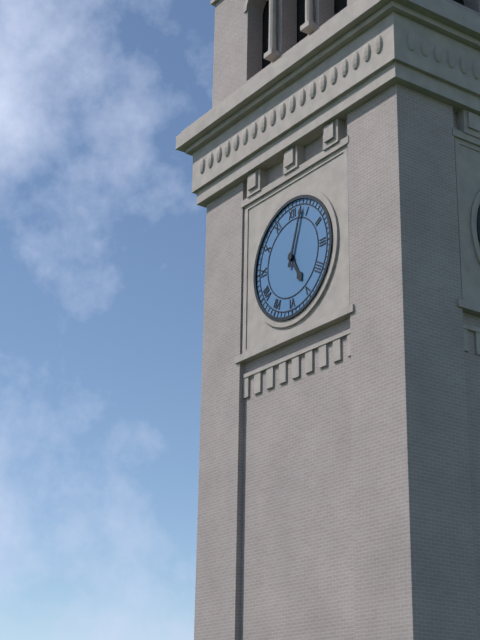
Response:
5h03
